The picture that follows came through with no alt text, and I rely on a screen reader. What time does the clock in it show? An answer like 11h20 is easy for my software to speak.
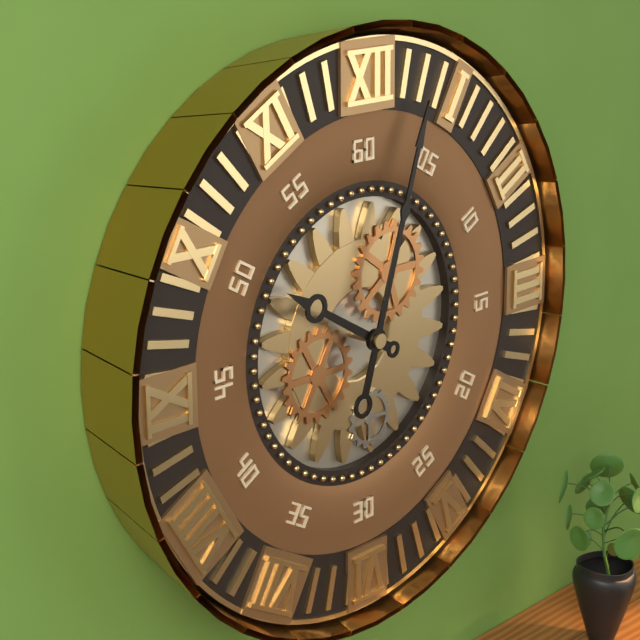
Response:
10h03
